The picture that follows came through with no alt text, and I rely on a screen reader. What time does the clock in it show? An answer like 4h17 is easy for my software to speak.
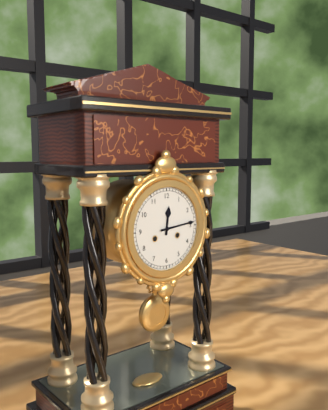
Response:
12h14
